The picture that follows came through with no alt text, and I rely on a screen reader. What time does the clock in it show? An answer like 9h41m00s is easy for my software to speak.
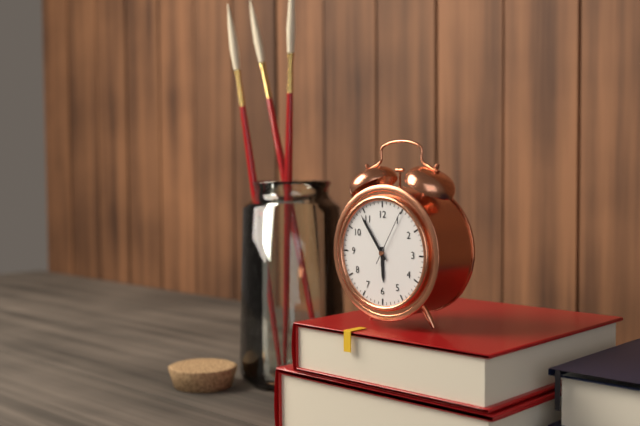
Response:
5h54m05s
